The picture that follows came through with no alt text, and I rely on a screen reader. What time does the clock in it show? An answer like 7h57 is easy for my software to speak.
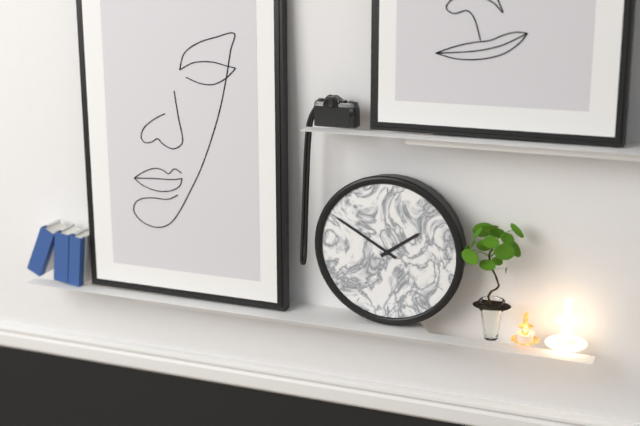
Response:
1h50
